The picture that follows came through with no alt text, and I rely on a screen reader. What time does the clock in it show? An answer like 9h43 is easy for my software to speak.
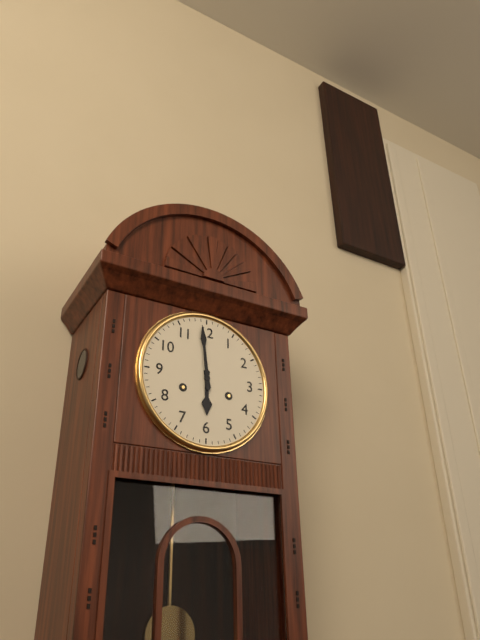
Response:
5h59
